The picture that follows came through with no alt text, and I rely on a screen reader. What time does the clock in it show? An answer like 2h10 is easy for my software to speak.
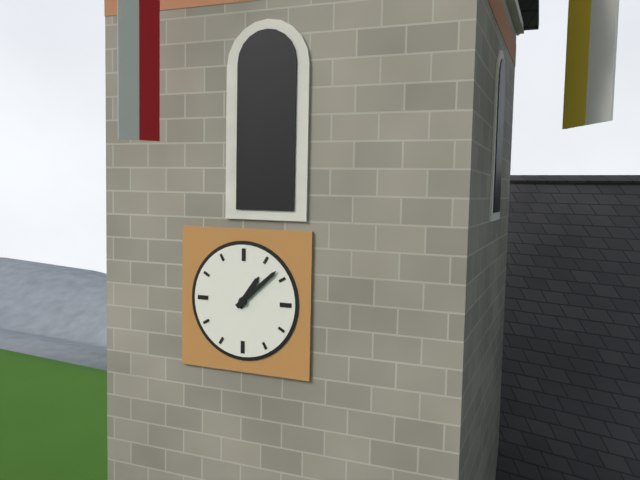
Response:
1h08
